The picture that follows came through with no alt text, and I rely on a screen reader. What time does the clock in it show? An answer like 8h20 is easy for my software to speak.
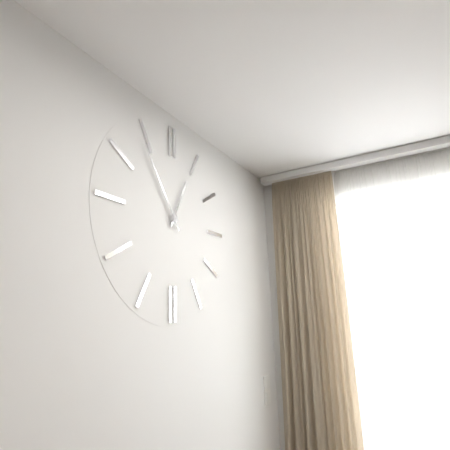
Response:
12h54
